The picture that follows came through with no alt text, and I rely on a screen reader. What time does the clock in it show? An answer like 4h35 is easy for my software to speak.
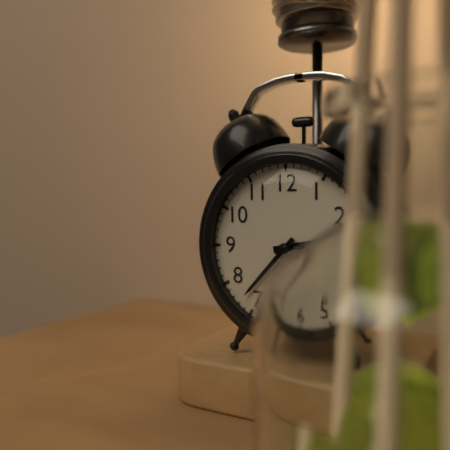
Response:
2h37
